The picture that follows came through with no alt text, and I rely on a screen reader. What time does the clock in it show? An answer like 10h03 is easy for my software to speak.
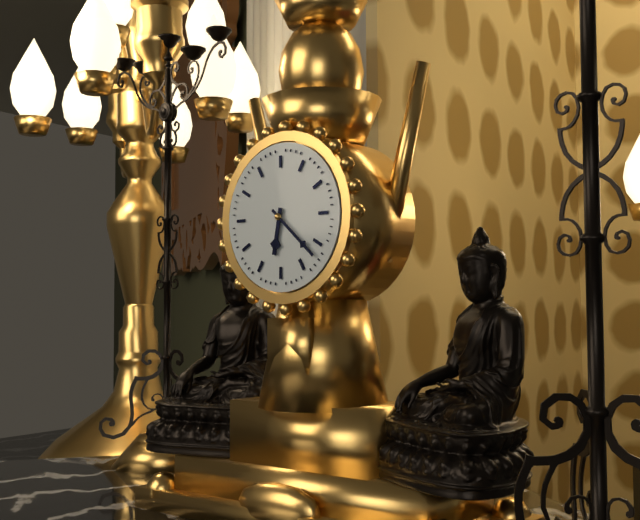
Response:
6h22
